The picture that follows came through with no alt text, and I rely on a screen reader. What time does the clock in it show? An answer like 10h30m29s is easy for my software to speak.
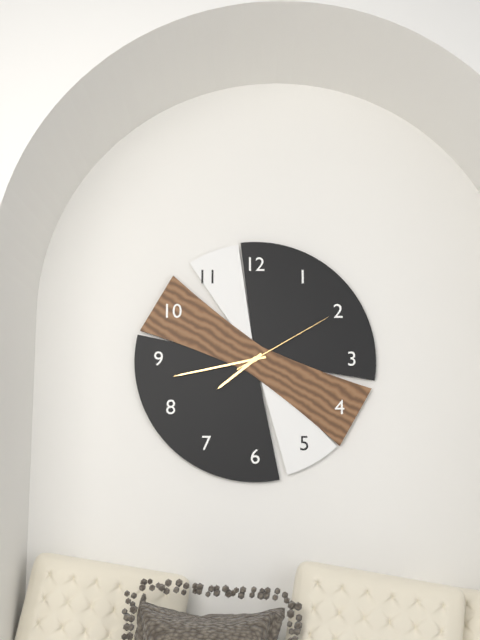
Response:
7h43m10s
